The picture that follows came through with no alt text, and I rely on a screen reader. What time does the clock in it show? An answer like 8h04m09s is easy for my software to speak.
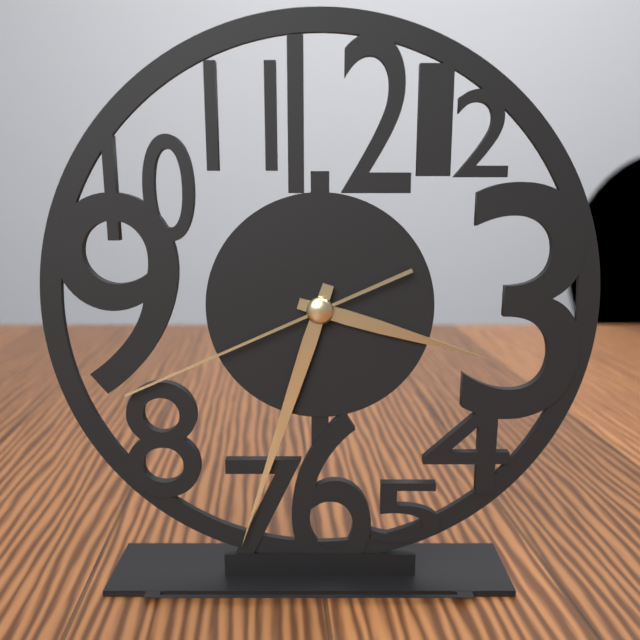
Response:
3h33m41s
